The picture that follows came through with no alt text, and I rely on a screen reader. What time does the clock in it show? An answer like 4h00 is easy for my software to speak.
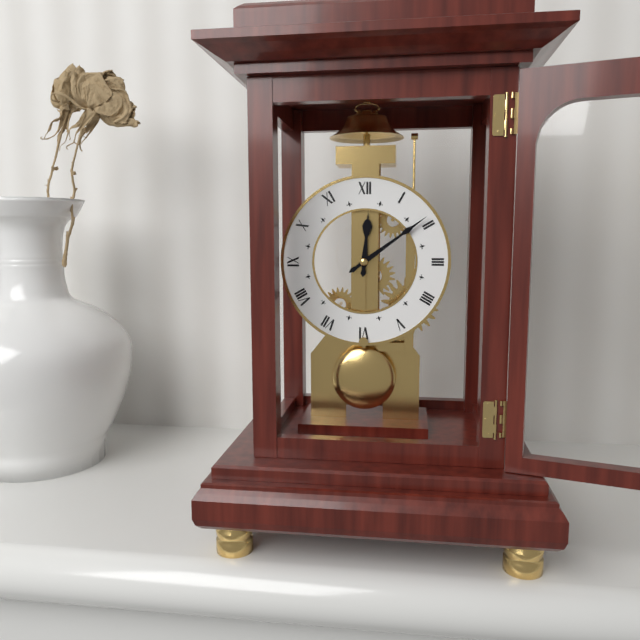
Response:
12h09
